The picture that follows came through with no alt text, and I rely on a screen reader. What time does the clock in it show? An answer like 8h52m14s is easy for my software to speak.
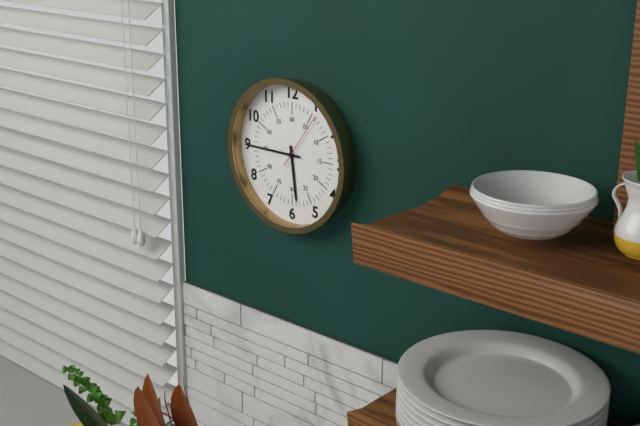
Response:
5h45m06s
